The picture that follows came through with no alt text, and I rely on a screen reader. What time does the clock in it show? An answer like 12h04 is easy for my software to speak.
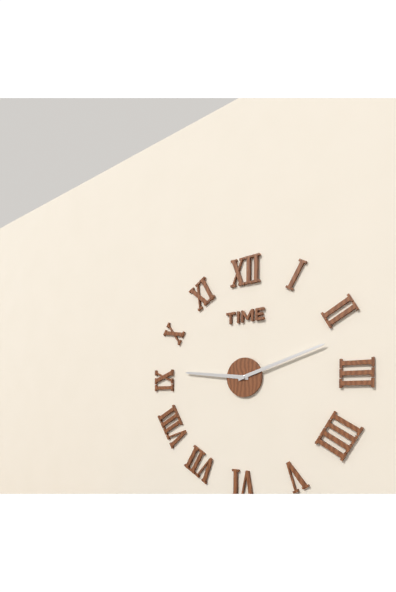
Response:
9h12
